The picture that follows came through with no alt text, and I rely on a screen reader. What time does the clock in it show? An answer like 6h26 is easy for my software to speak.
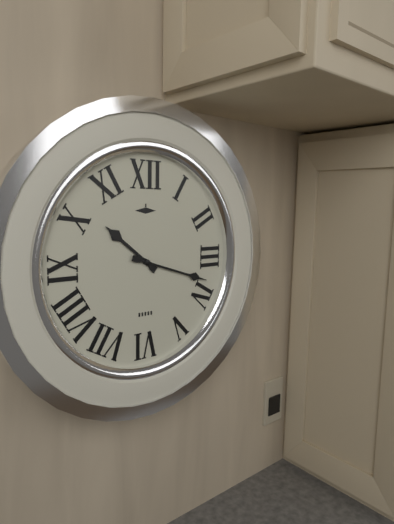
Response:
10h18
